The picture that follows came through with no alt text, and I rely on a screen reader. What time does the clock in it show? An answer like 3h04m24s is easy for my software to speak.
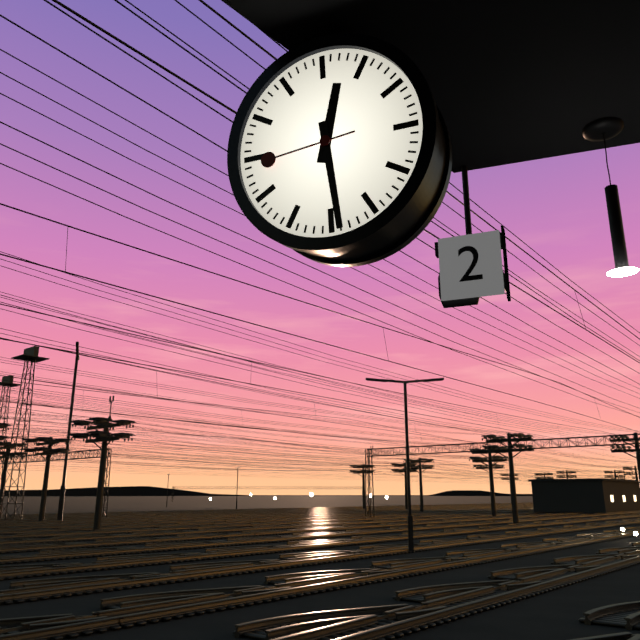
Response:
12h29m44s
